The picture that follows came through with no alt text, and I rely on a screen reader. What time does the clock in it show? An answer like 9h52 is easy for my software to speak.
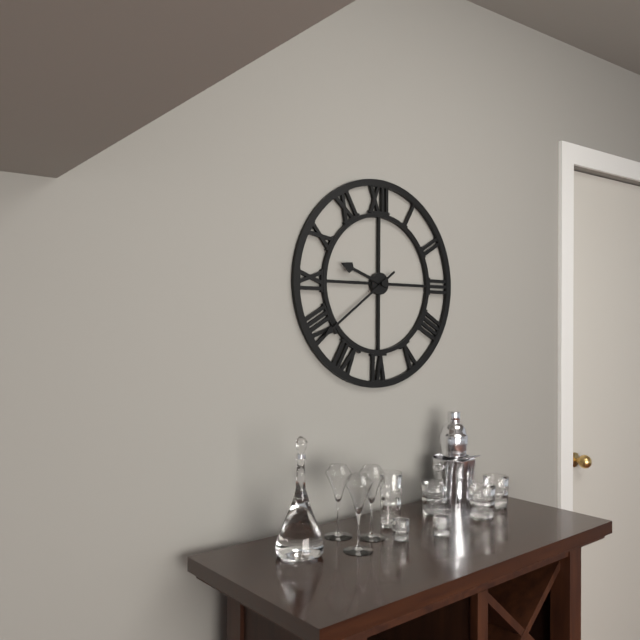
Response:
9h39
